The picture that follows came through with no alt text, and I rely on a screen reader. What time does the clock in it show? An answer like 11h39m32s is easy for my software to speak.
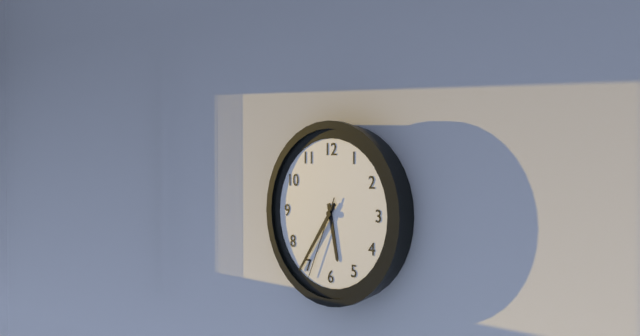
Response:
5h36m34s
